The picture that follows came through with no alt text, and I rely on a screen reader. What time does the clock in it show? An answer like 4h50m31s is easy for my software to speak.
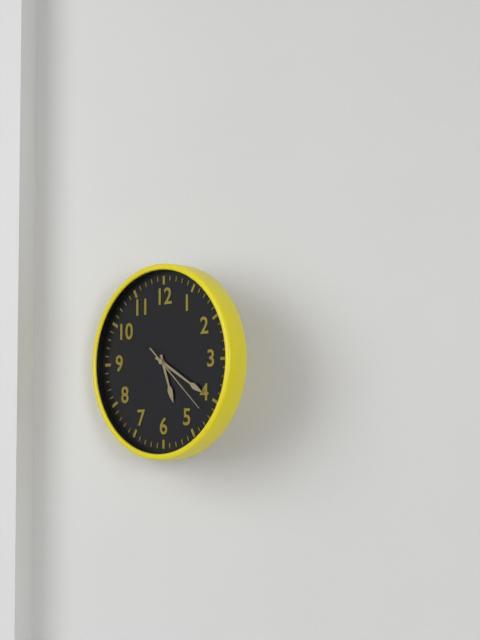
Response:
5h20m22s
